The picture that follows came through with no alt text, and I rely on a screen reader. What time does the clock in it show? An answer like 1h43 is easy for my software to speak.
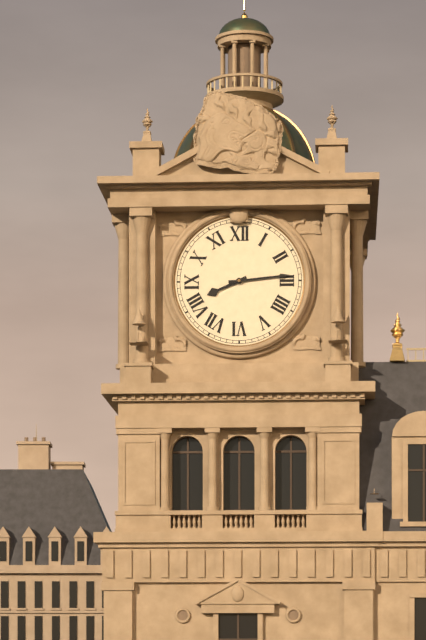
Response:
8h14
